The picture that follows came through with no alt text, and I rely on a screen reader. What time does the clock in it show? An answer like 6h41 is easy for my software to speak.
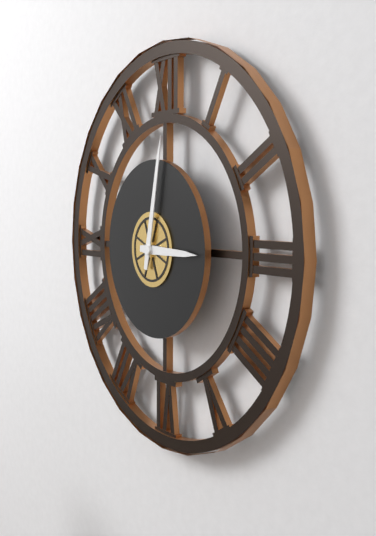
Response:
3h02
